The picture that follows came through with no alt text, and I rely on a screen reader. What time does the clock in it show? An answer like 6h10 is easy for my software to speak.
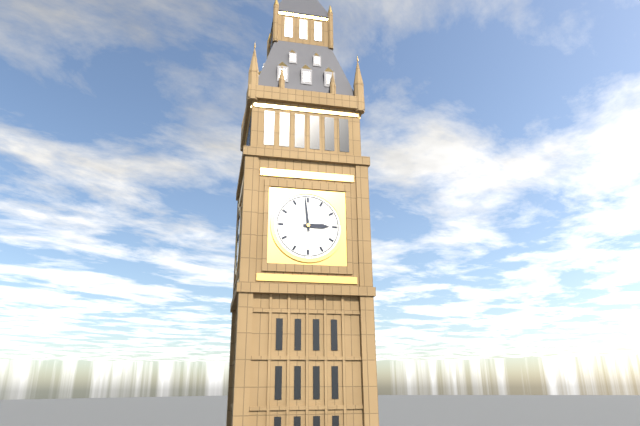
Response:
2h59
